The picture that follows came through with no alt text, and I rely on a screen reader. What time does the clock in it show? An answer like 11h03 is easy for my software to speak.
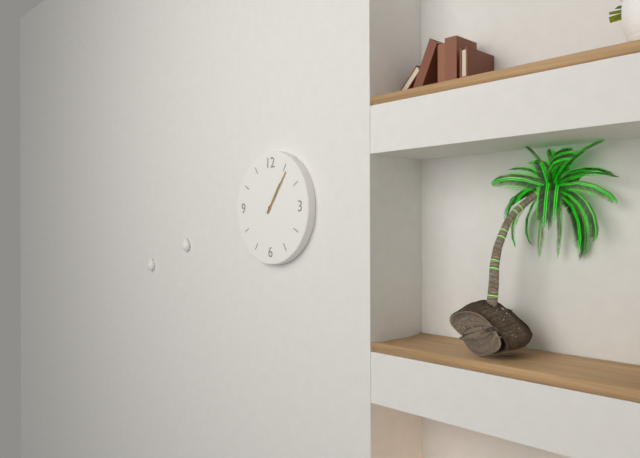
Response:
1h06
